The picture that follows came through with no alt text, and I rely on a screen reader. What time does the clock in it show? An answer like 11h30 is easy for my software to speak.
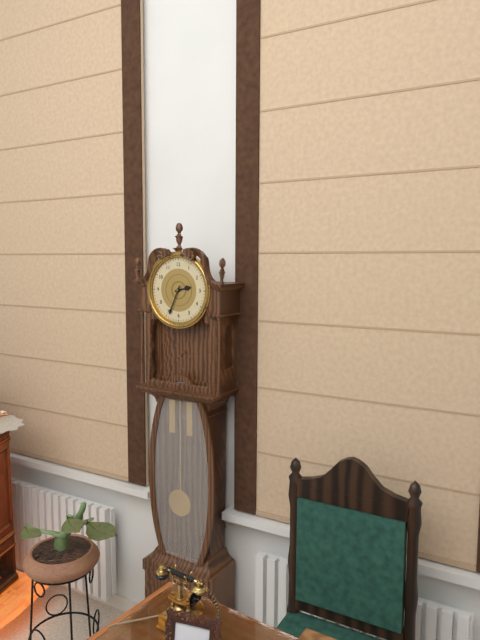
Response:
2h34
